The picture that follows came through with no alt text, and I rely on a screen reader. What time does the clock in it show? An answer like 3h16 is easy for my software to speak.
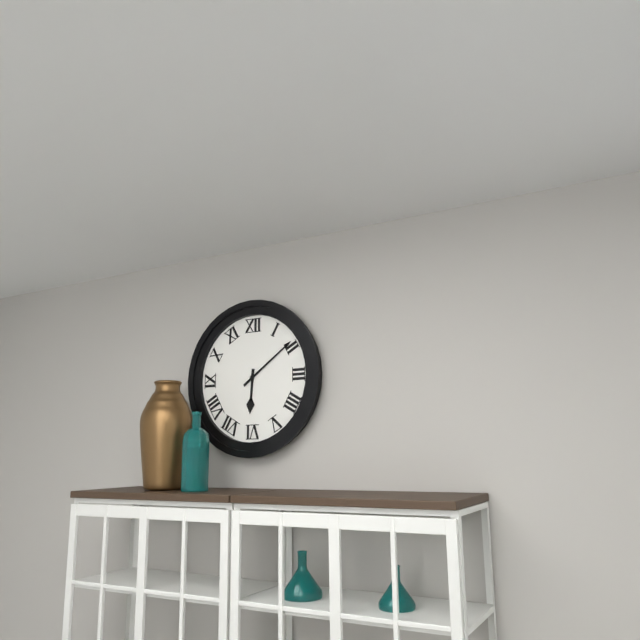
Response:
6h09
